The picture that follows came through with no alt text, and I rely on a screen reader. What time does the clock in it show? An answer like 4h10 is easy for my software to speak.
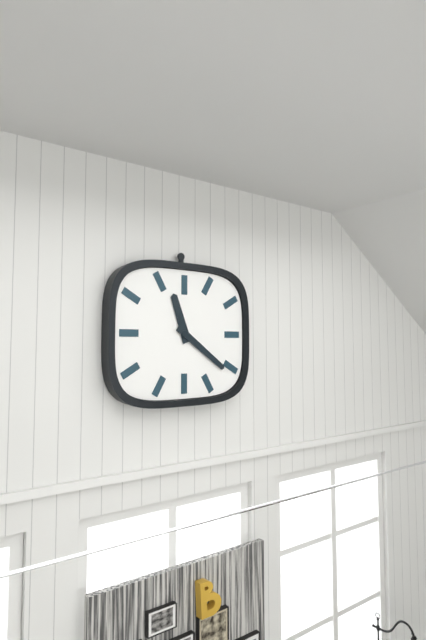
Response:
11h21
